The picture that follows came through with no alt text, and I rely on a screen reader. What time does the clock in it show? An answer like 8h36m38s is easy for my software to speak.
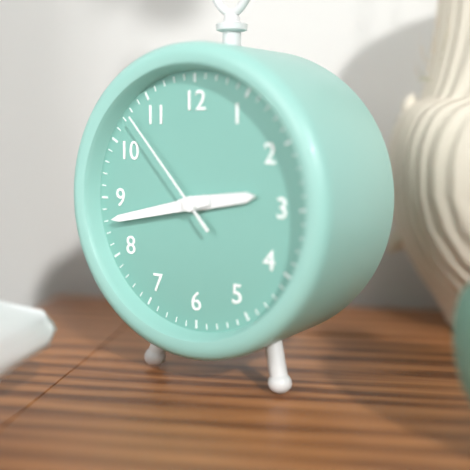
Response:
2h43m53s
